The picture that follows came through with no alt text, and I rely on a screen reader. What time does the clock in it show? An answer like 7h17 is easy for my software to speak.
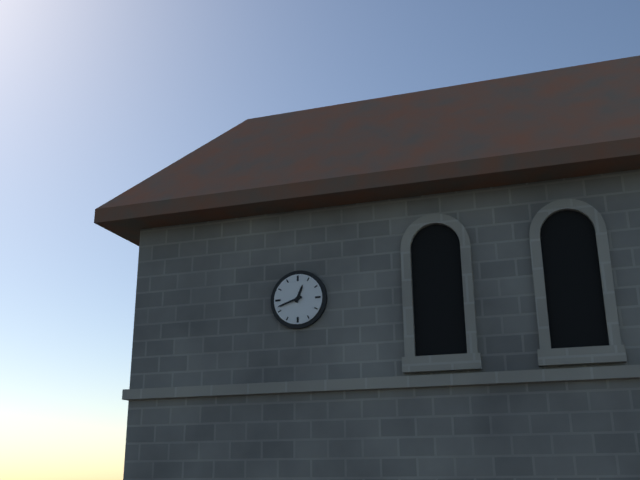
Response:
12h42
